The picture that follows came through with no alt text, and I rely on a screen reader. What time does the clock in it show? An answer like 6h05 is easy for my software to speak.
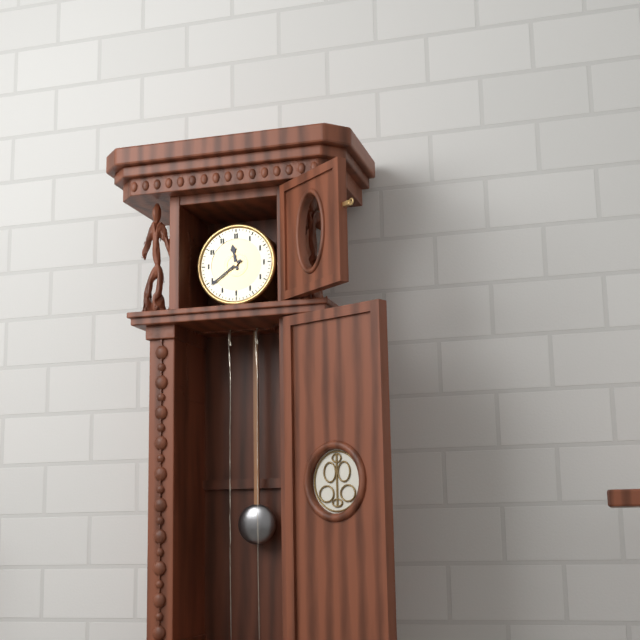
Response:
11h39
